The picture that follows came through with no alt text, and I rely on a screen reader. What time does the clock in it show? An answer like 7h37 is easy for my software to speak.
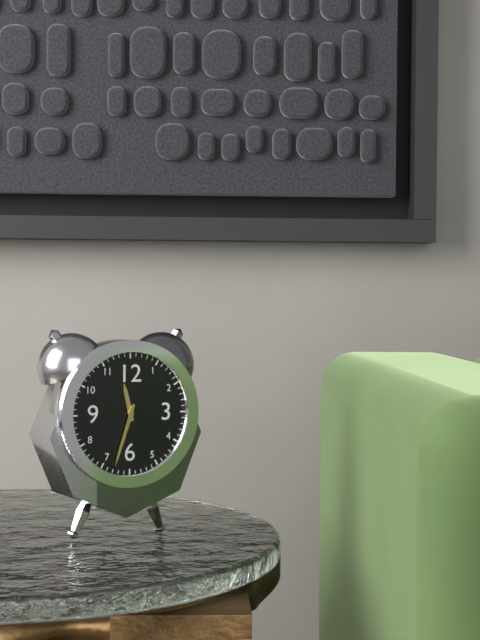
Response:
11h33
